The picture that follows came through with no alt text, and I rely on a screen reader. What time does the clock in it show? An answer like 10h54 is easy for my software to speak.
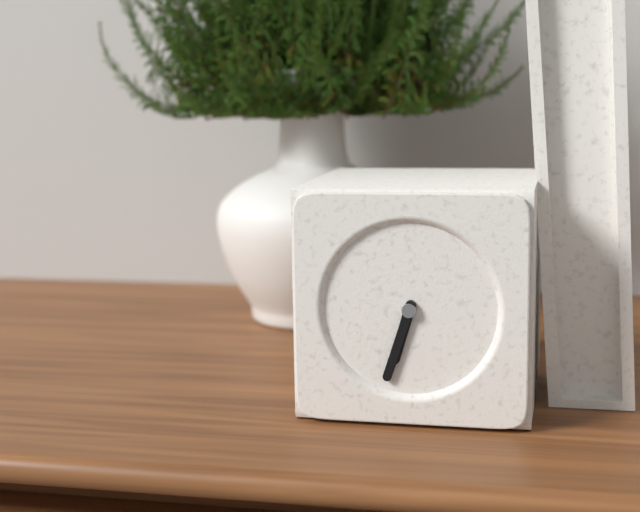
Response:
6h33
